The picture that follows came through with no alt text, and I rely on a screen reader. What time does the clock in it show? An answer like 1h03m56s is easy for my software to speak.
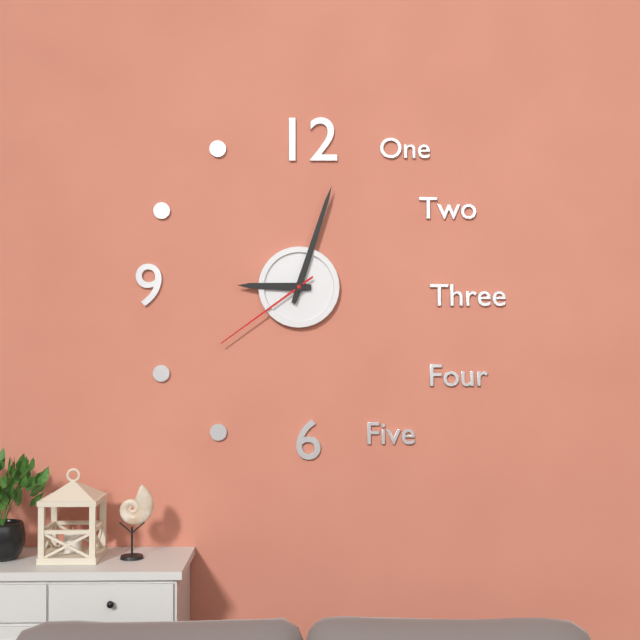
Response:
9h03m39s
